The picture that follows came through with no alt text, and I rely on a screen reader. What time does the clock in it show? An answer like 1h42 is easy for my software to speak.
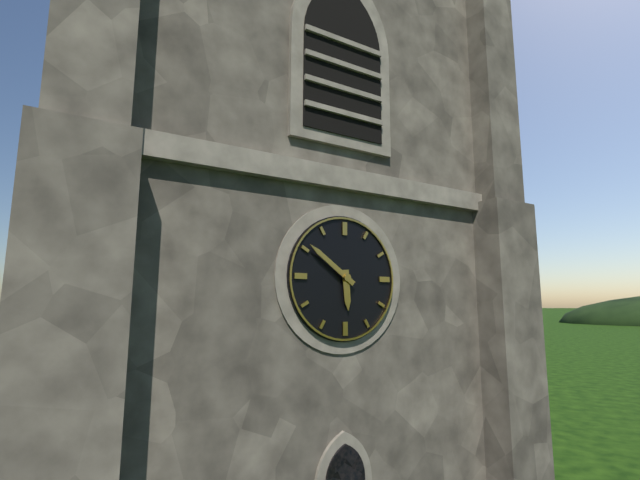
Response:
5h51
